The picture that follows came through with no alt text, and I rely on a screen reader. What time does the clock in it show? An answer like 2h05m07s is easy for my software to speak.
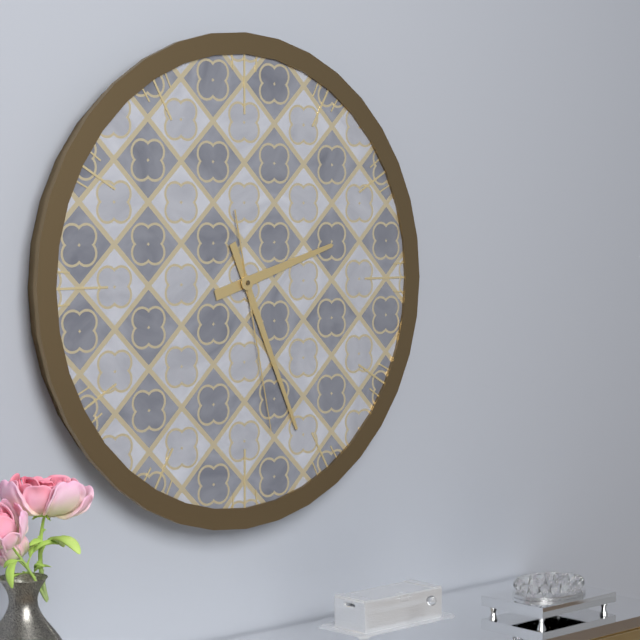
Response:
2h26m28s
